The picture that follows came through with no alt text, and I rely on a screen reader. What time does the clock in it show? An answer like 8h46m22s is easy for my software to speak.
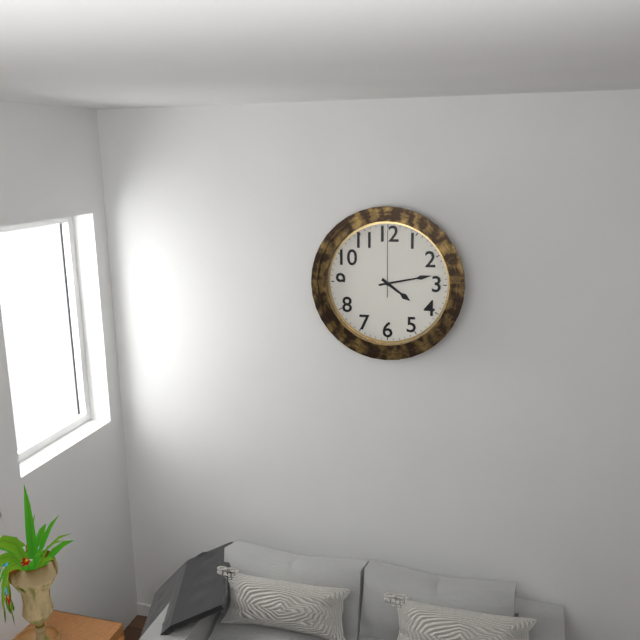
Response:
4h13m00s
